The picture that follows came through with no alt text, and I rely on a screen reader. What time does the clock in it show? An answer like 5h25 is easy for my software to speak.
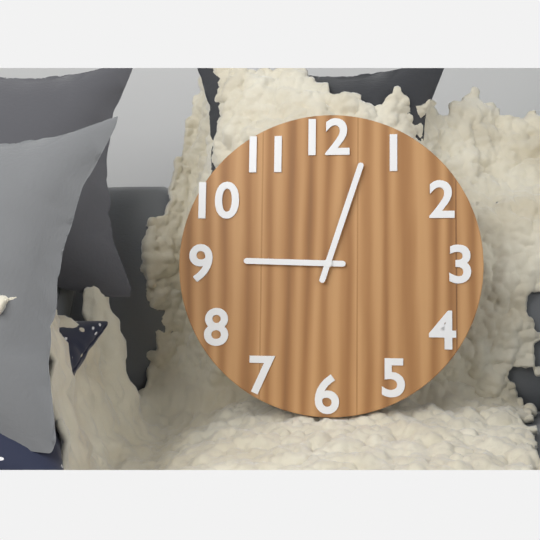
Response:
9h03
